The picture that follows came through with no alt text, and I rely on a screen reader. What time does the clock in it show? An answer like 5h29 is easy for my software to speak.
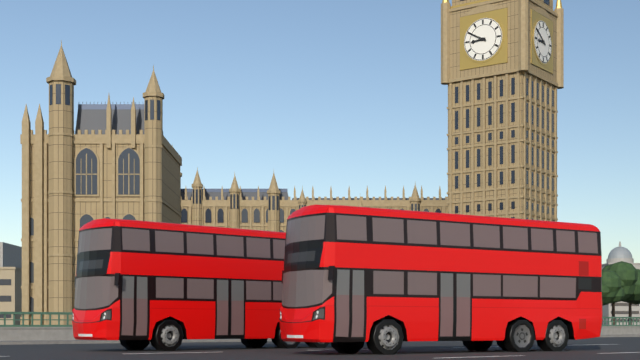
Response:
8h50
